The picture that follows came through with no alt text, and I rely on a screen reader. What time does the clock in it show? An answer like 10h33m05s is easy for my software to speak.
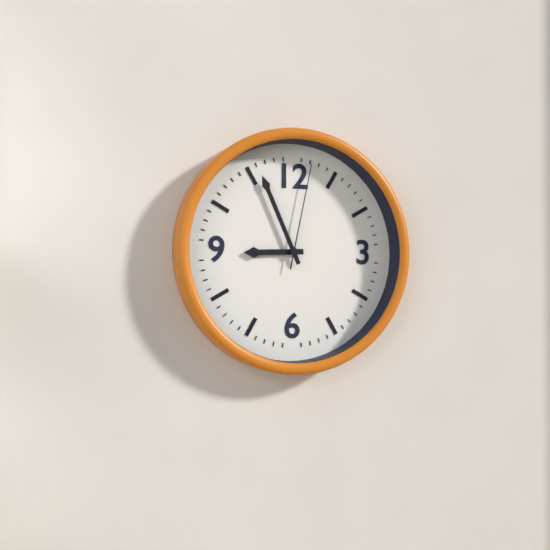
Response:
8h56m02s
